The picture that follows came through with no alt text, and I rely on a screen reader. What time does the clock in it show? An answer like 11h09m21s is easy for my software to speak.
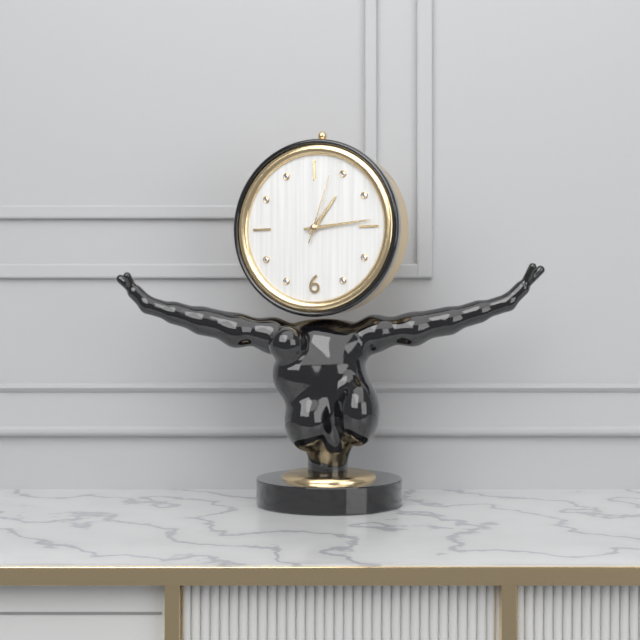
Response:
1h14m03s
